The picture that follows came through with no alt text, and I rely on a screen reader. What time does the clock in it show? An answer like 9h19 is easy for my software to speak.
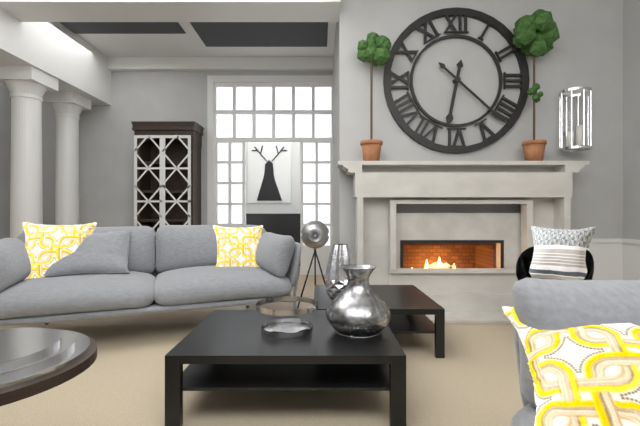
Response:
6h22
